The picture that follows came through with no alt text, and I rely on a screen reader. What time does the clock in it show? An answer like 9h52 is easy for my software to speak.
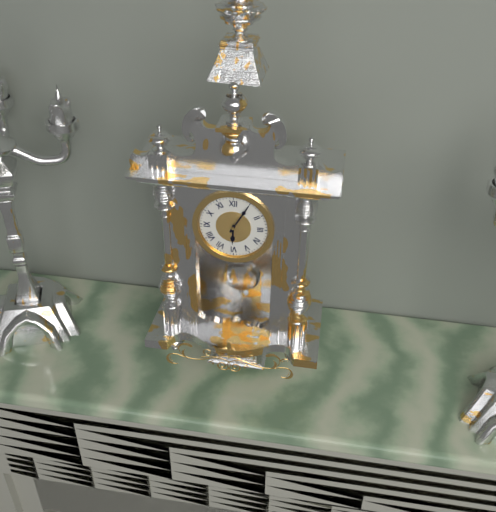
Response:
6h05
